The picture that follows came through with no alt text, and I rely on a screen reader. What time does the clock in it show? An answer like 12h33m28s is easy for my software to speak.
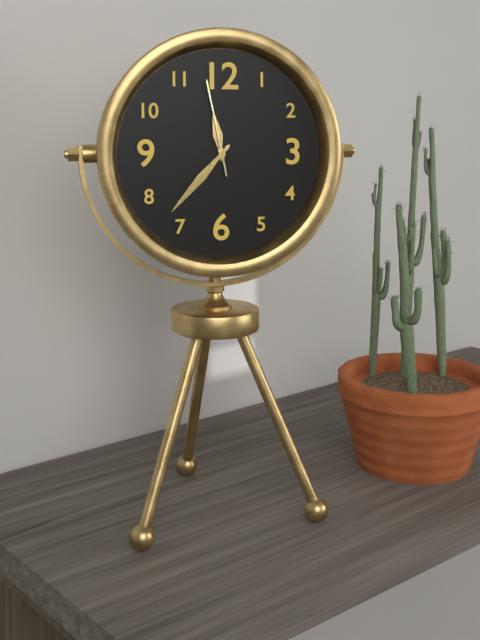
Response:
11h37m58s
